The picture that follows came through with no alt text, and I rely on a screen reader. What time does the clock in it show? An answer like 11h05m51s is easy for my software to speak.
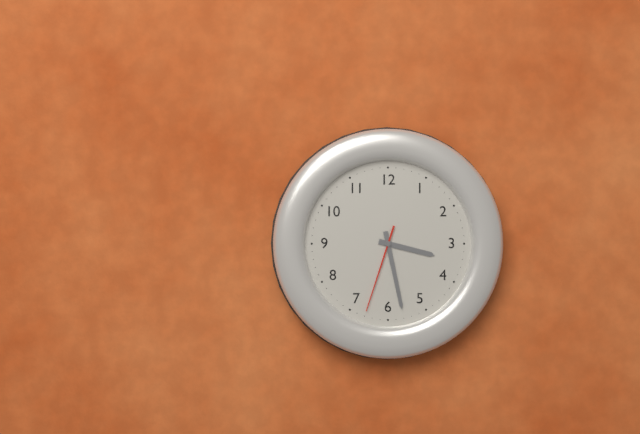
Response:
3h28m33s
